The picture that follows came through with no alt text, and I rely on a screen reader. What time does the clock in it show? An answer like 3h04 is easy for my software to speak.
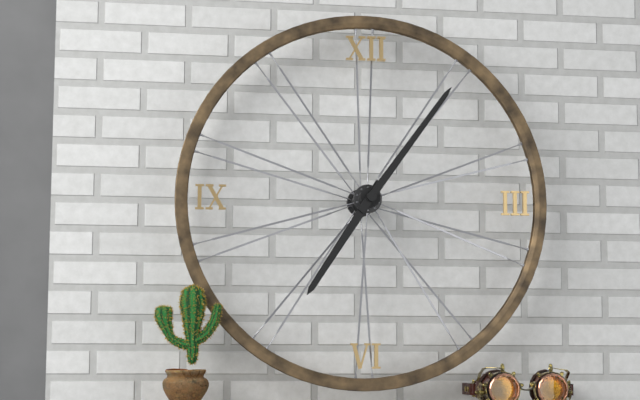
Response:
7h06
